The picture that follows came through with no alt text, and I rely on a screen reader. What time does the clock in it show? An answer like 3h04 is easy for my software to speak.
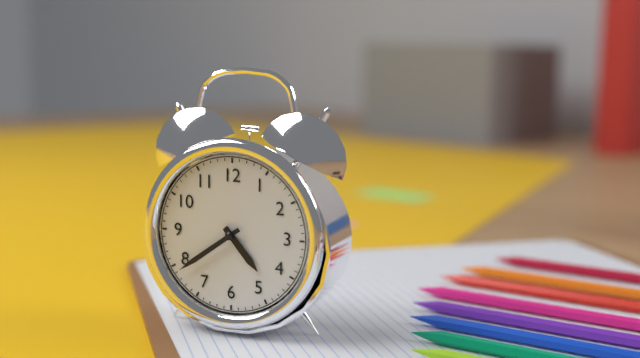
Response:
4h39
